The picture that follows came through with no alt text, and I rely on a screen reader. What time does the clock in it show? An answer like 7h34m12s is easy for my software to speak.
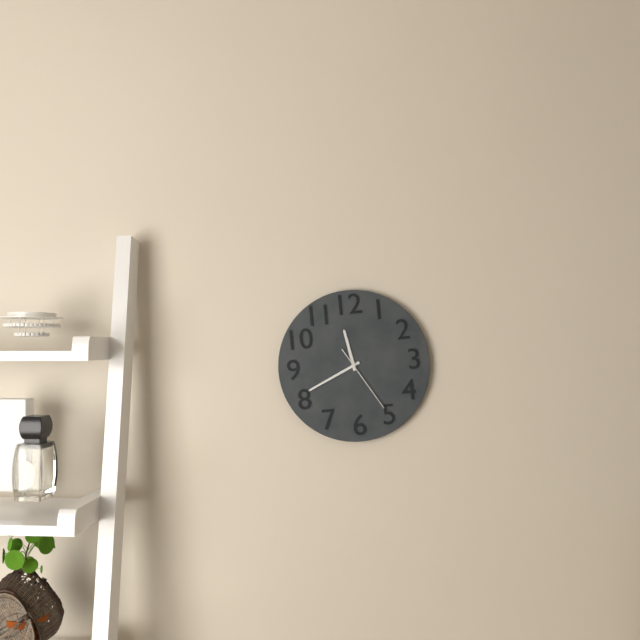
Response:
11h41m25s
